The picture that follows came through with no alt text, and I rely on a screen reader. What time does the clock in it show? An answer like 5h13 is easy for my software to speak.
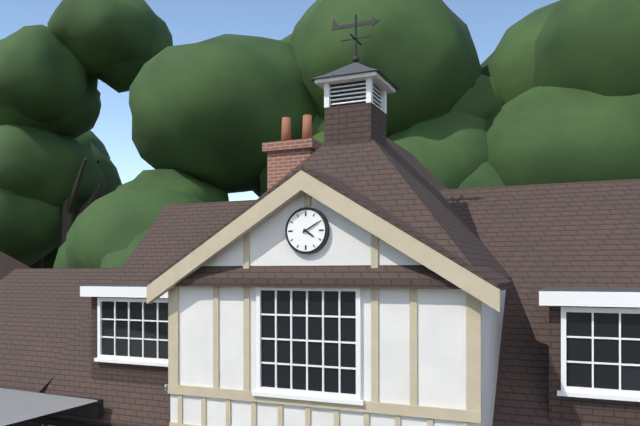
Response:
4h10
